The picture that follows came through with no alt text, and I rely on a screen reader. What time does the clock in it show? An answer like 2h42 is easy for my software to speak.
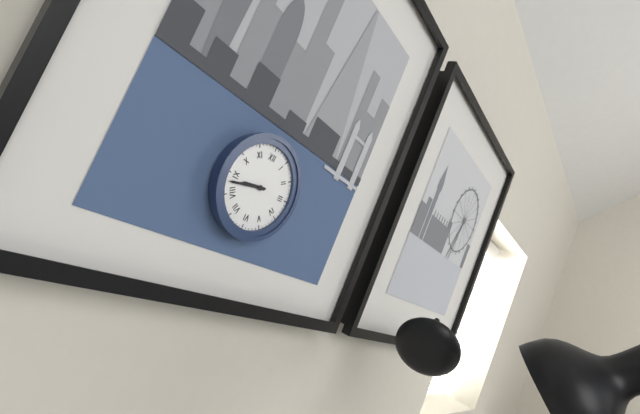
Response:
8h43
